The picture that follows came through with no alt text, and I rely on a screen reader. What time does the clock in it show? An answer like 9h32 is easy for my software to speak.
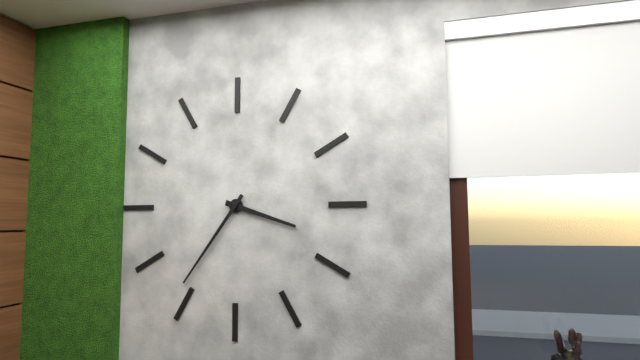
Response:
3h36
